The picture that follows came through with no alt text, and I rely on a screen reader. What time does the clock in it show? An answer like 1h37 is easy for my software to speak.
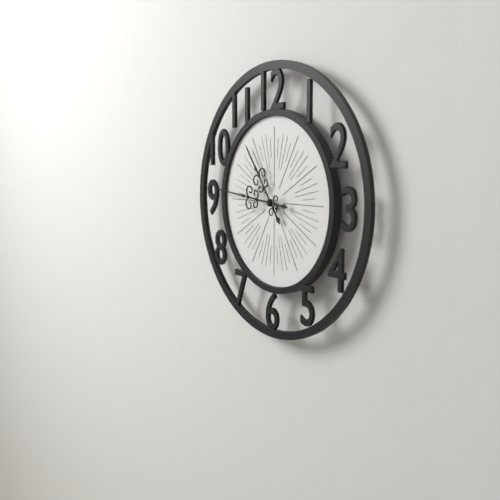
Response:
10h46
